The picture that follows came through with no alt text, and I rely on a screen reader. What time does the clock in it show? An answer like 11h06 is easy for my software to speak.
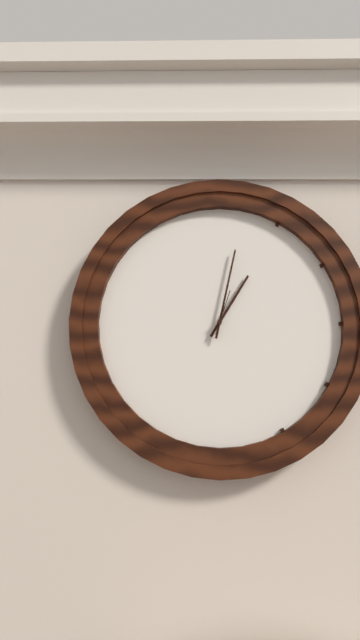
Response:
1h02
